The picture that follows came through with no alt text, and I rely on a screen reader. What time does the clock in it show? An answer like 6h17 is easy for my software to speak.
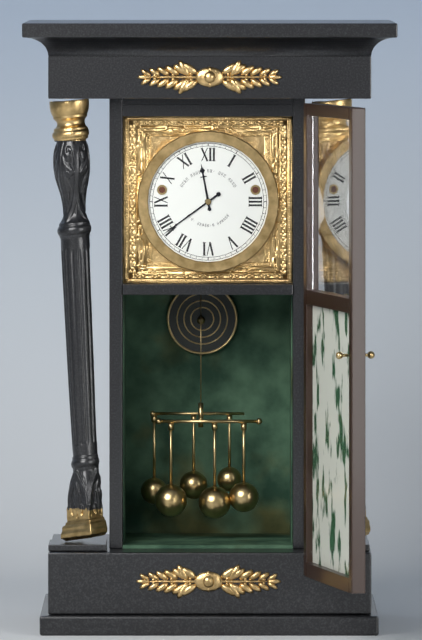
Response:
11h39
